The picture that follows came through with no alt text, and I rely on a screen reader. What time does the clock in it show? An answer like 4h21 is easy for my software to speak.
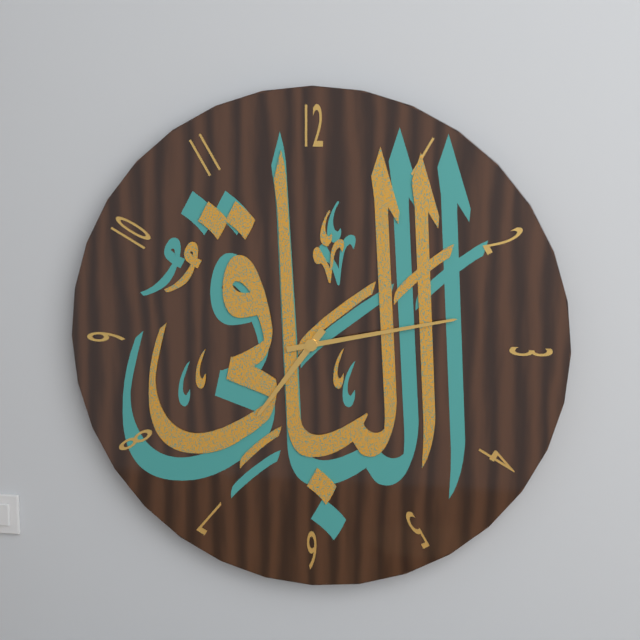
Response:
7h13
